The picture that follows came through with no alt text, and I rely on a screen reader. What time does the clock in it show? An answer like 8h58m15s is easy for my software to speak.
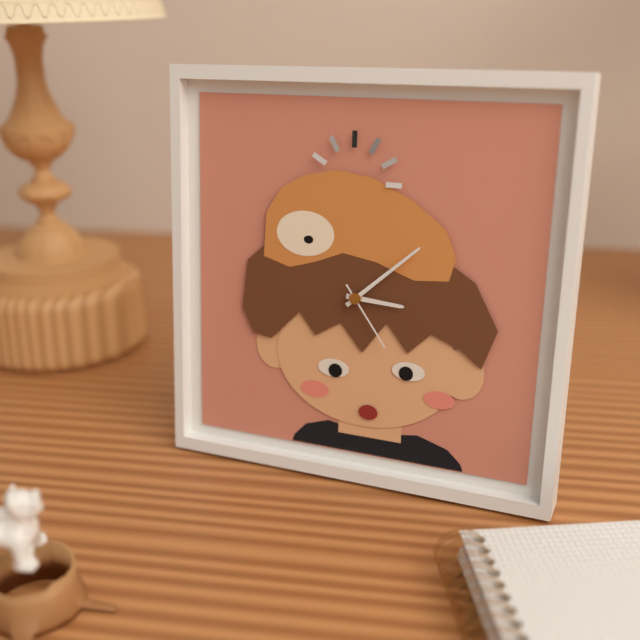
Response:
3h08m24s
